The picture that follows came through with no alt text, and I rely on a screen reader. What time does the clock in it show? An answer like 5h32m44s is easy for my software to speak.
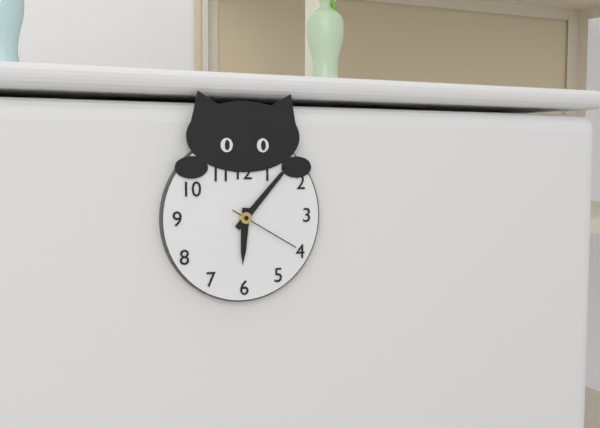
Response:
6h07m20s
